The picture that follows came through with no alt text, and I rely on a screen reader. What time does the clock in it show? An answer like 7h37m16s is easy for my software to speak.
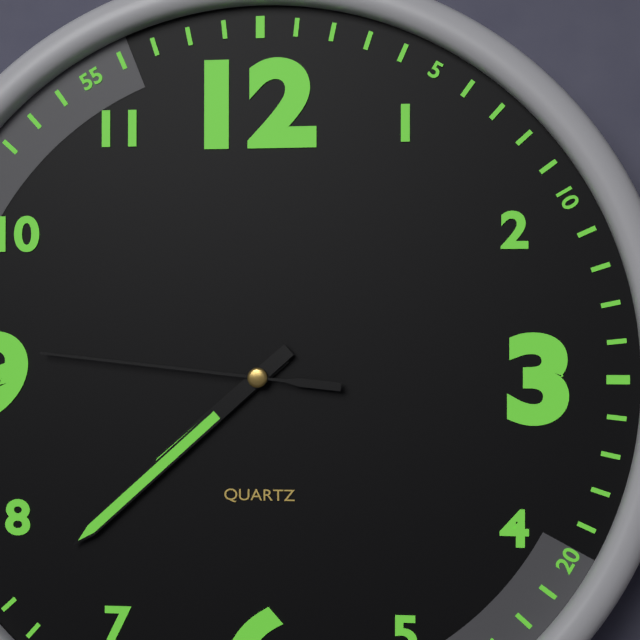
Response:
7h38m46s
